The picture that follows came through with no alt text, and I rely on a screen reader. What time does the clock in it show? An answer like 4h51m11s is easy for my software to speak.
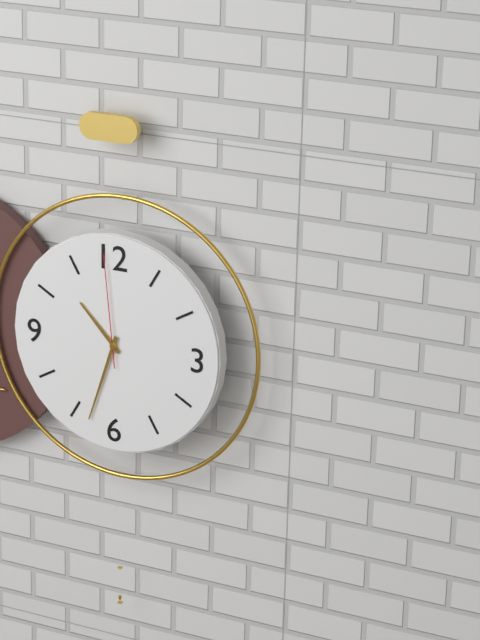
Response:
10h33m59s
